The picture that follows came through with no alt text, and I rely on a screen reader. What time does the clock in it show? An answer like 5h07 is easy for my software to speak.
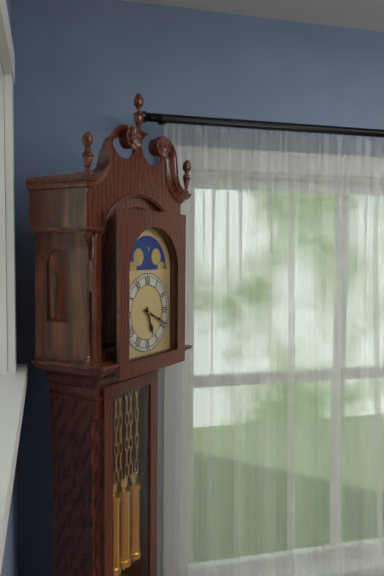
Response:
5h19
